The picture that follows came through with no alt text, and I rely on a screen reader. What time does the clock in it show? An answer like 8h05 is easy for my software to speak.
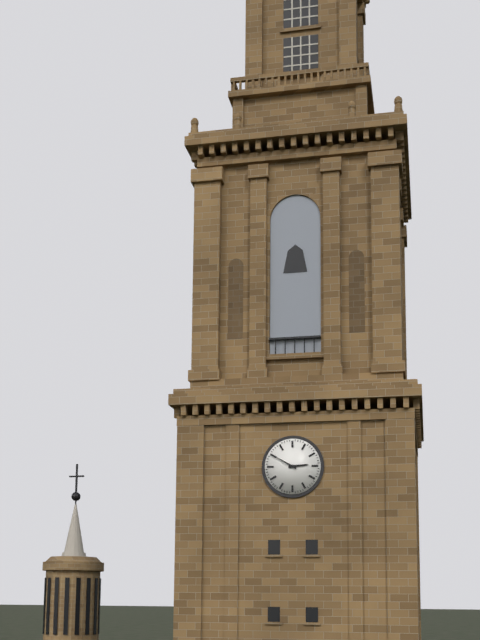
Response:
2h50
